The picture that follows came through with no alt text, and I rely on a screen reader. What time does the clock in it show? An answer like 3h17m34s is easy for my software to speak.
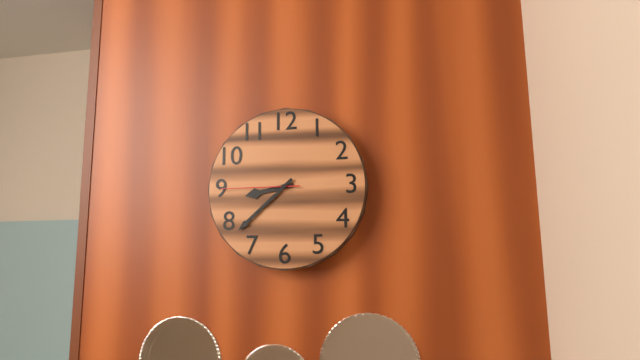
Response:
8h38m45s
